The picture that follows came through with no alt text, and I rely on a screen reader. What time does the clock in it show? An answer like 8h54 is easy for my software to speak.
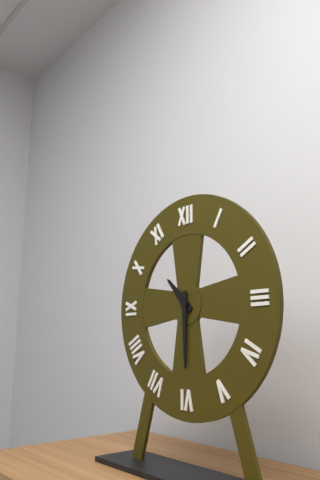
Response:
10h30
